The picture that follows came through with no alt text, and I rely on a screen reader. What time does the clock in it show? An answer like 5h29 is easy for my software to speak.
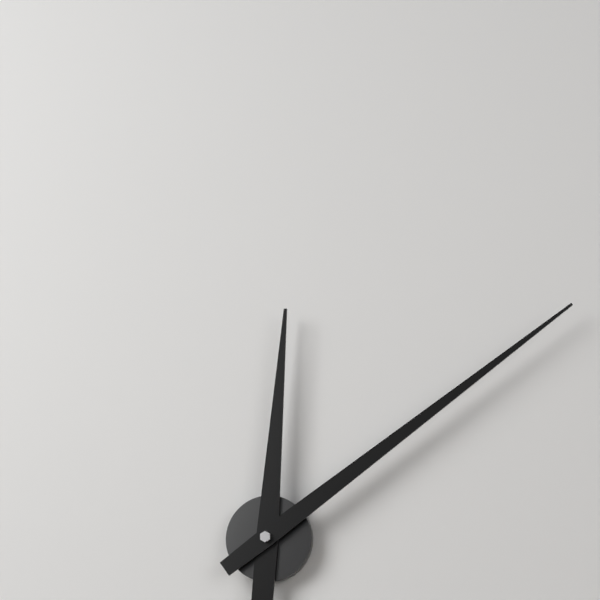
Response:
12h09
